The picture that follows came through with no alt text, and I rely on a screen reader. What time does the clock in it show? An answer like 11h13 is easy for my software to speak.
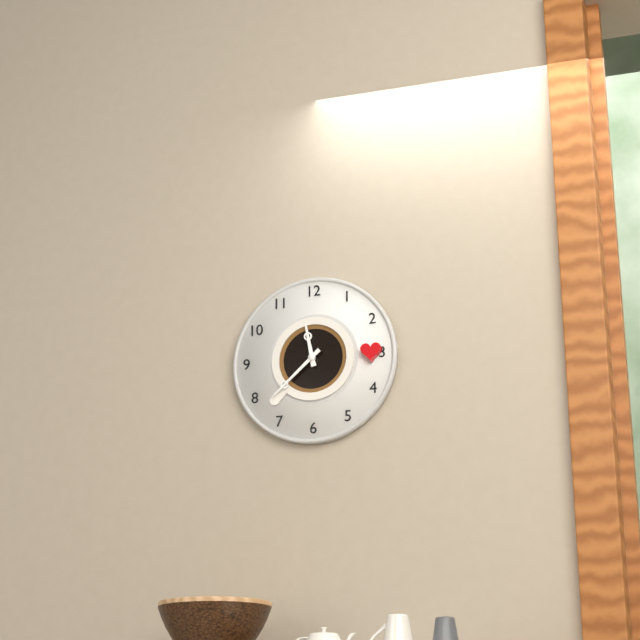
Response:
11h38
